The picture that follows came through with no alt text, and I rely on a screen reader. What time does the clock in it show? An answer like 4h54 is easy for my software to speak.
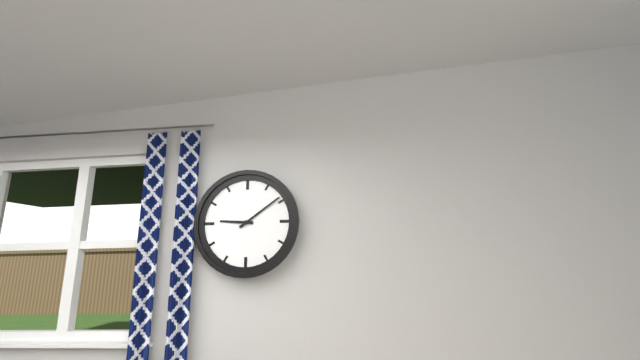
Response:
9h09
